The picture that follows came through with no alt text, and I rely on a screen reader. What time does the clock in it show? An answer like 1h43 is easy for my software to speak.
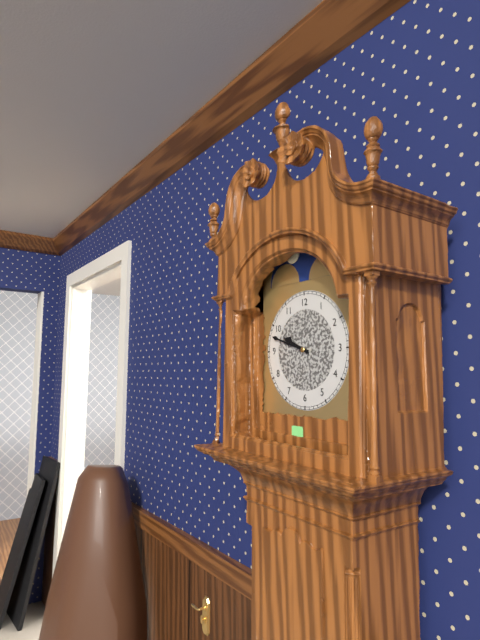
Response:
9h48
